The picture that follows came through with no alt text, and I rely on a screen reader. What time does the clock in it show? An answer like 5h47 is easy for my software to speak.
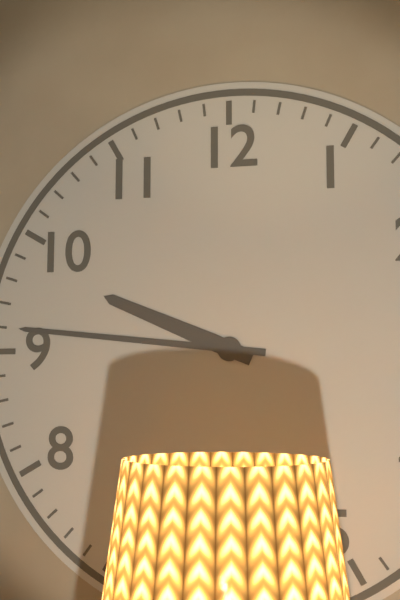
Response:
9h46
